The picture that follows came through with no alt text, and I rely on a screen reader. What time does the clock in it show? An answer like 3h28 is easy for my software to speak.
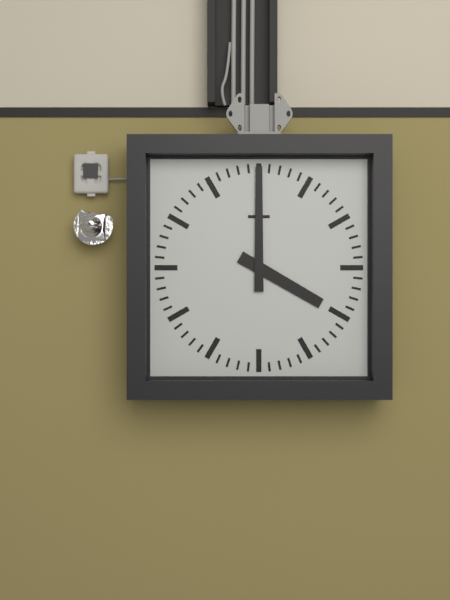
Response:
4h00
